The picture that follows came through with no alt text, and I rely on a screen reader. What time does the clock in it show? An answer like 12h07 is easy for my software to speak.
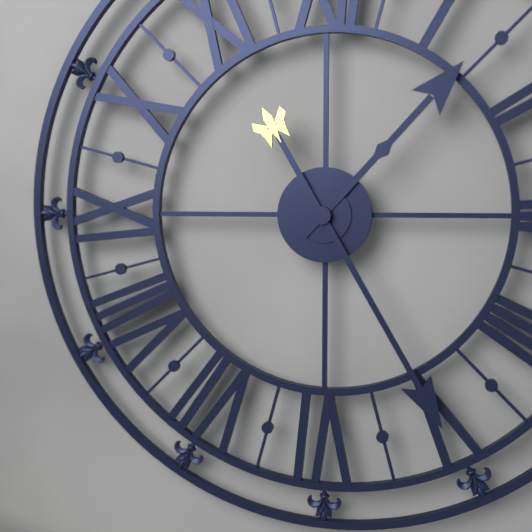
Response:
1h25
